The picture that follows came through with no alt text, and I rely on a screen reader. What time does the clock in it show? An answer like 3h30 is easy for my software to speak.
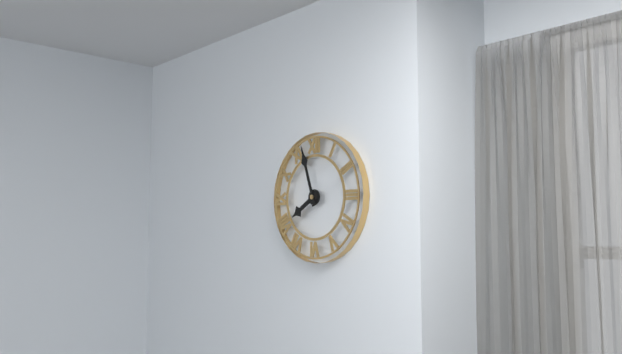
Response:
7h57
